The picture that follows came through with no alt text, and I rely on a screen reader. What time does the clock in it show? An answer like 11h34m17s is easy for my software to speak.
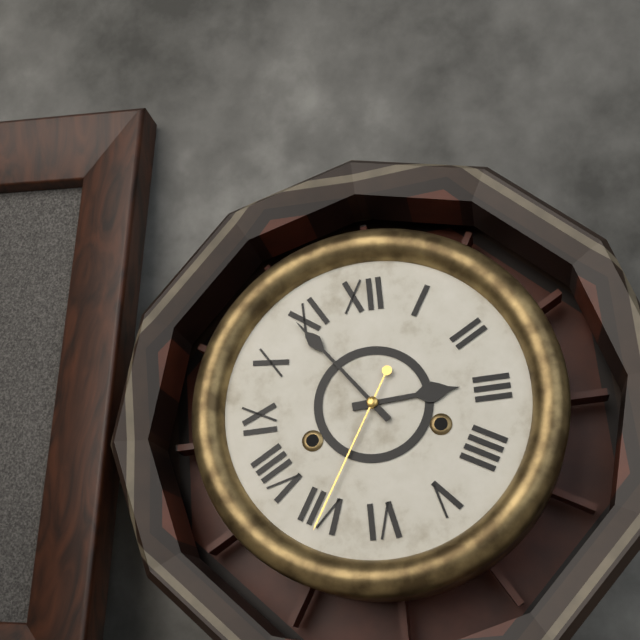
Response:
2h54m35s
